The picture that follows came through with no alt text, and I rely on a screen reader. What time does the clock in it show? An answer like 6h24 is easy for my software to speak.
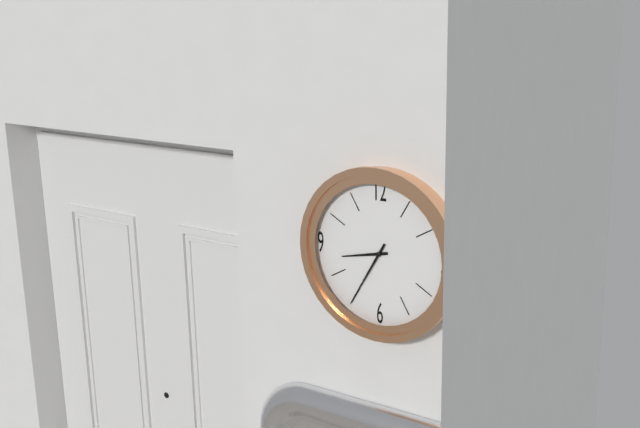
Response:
8h35
